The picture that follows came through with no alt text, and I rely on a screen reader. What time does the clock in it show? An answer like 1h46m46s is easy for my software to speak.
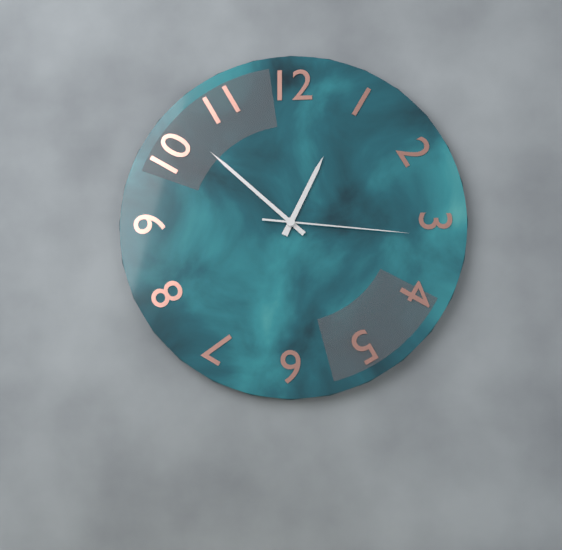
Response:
12h52m16s
